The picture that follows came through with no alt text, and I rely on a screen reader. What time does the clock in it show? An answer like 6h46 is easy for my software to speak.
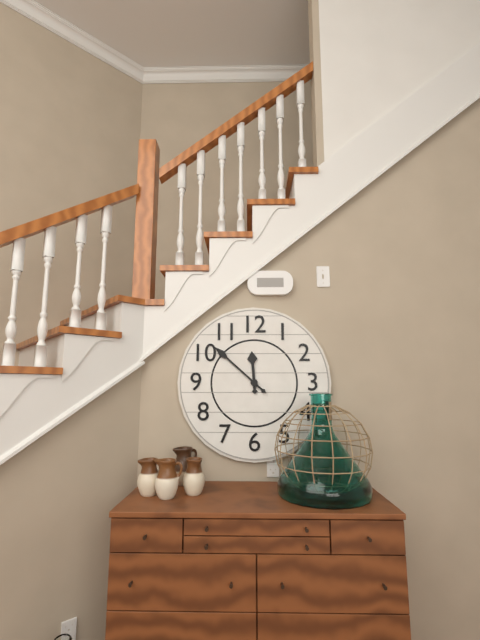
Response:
11h52
